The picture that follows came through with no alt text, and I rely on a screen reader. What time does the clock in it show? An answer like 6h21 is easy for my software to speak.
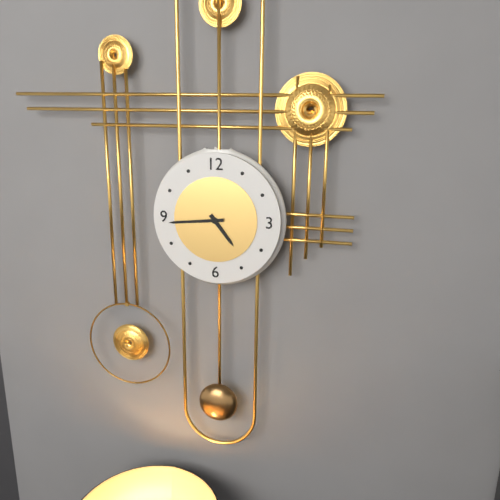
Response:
4h44
